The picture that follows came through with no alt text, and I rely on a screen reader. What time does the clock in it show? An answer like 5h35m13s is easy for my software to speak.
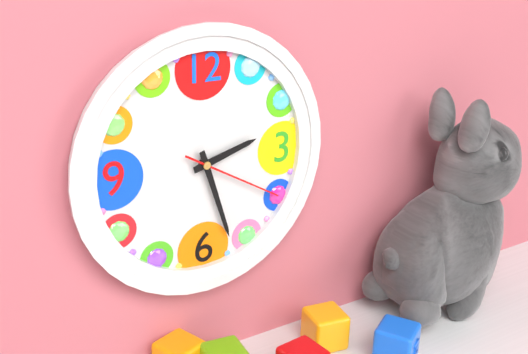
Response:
2h27m20s
